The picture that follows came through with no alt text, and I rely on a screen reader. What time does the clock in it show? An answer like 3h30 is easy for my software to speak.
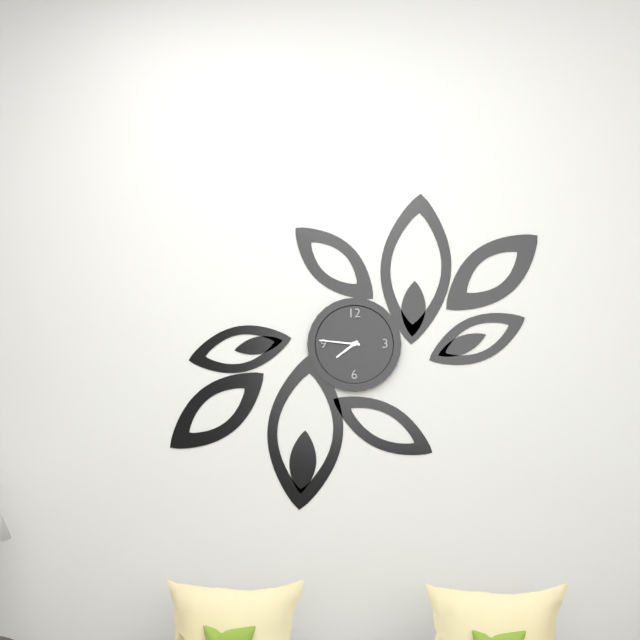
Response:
7h46
